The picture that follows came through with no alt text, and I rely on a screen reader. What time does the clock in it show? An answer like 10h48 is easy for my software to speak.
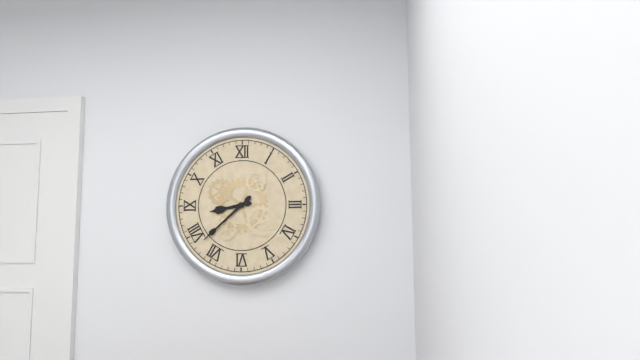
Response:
8h38
